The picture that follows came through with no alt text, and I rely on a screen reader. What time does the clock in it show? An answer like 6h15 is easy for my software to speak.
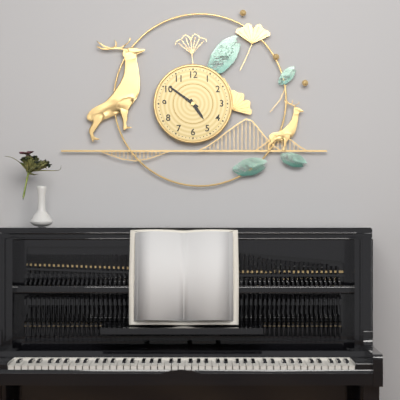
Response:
4h51
